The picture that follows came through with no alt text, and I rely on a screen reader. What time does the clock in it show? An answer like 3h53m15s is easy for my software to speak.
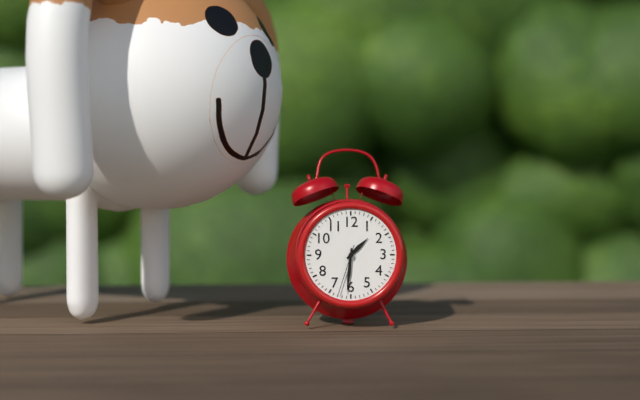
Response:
1h31m33s
